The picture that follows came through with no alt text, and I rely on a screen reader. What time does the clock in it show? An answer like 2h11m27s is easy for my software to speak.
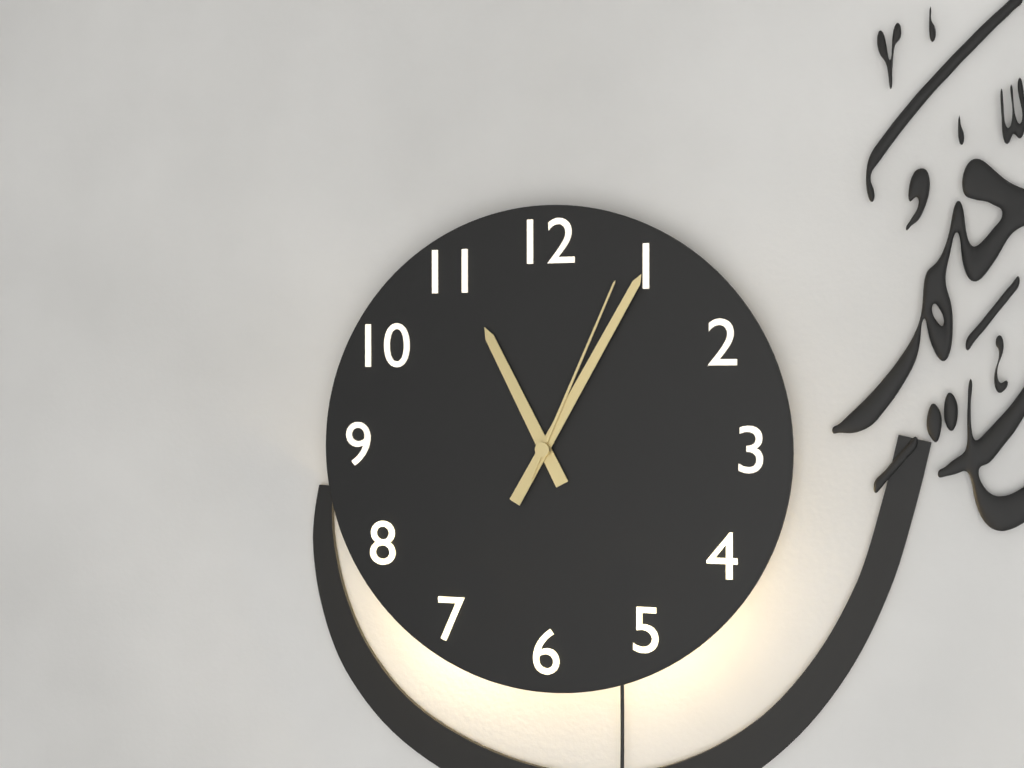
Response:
11h05m04s
